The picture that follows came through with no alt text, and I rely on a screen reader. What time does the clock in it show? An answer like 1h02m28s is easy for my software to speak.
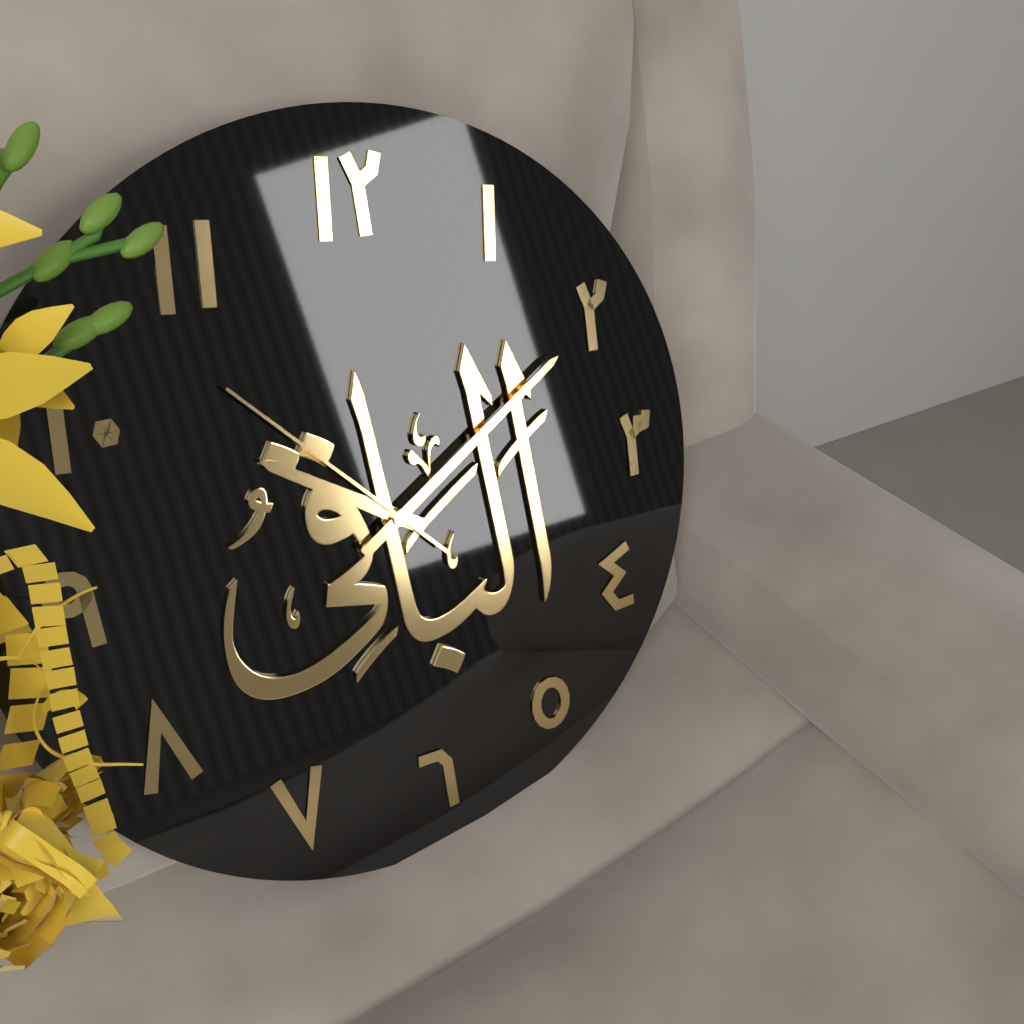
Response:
10h10m53s
